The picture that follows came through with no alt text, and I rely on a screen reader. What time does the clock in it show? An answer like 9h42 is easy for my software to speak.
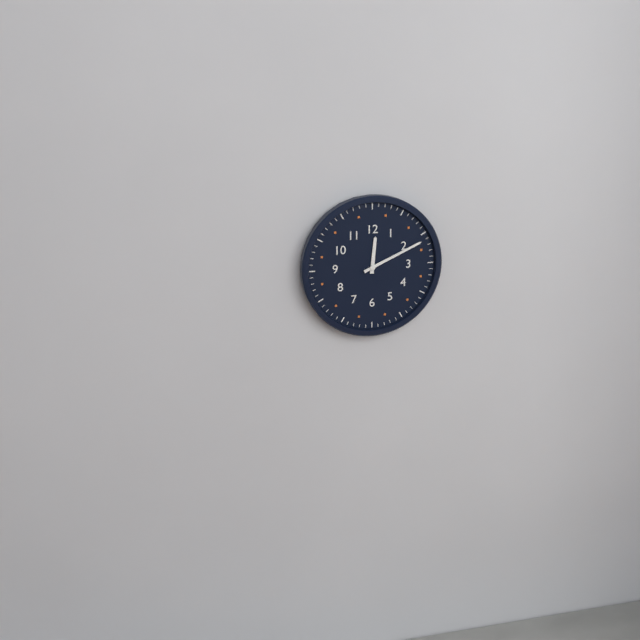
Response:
12h11
